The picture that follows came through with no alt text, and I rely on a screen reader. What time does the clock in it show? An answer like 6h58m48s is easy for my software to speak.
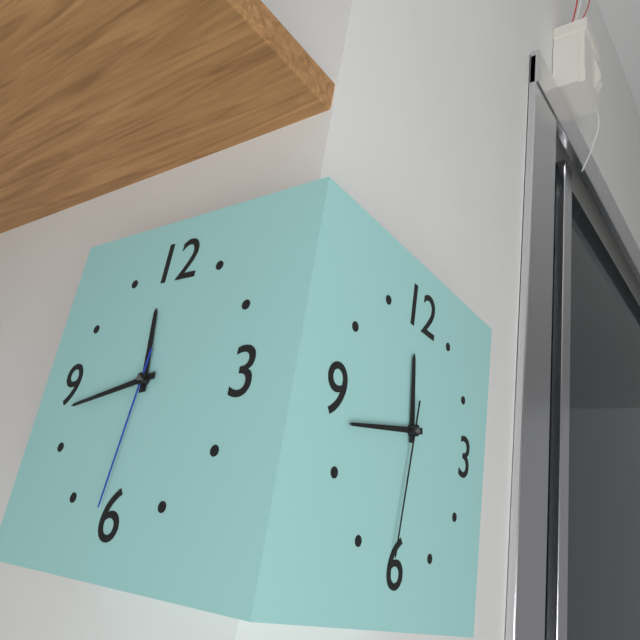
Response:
11h43m31s
